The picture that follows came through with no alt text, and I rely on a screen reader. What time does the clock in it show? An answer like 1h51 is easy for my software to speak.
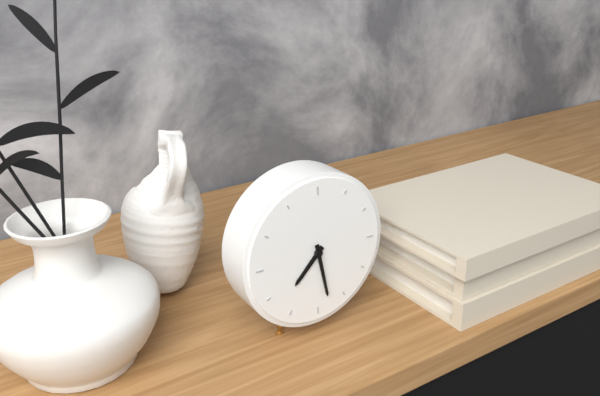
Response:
7h28
